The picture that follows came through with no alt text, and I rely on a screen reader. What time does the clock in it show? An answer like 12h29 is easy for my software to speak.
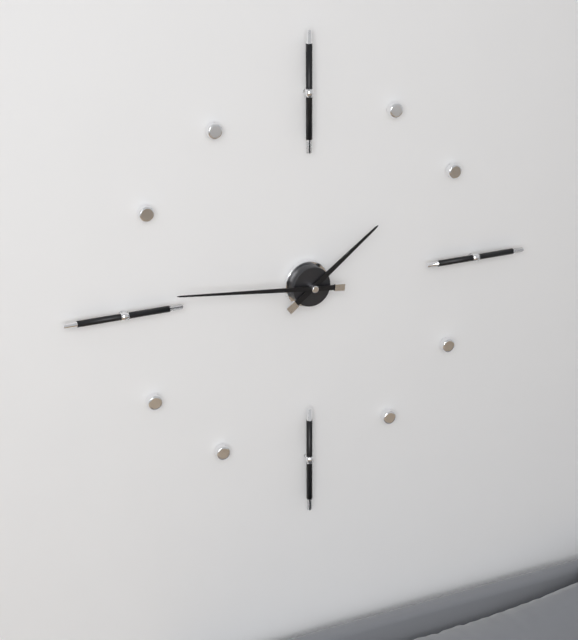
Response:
1h46
